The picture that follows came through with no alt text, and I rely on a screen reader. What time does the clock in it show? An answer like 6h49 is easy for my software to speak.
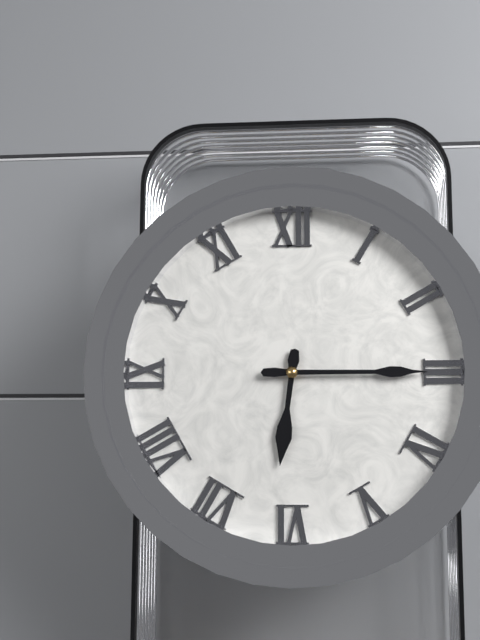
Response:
6h15
